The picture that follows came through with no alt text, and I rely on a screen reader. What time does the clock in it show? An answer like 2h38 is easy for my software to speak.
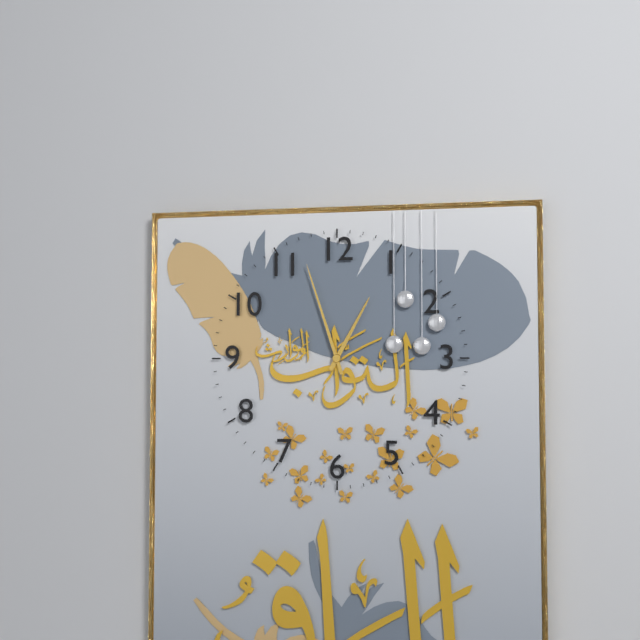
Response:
12h57
